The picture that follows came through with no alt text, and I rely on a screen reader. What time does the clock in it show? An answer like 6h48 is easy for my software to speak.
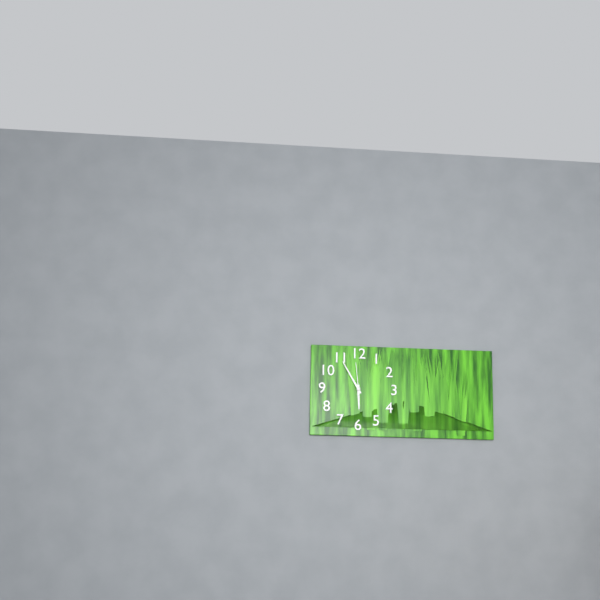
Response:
5h55
